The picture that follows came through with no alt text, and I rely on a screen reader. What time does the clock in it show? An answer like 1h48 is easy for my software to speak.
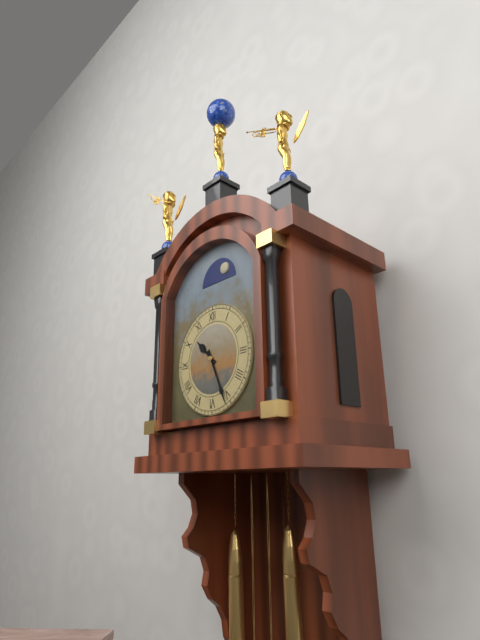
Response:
10h26
